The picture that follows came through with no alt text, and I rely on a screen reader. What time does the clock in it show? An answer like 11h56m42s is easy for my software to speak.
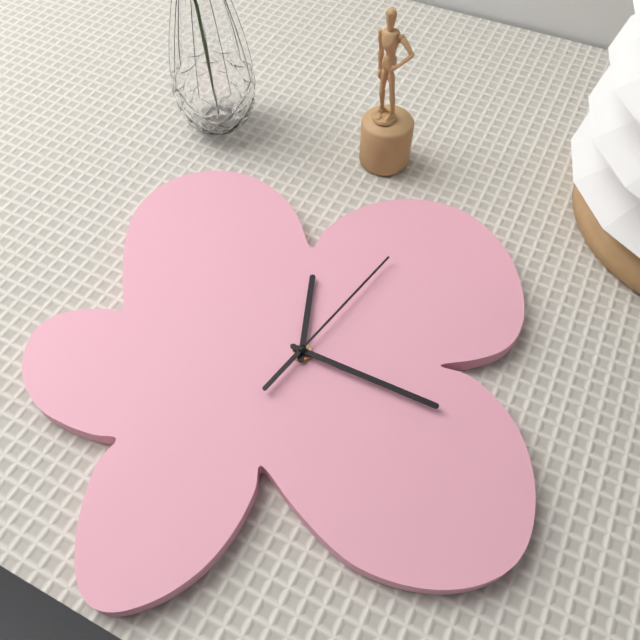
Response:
12h20m07s
